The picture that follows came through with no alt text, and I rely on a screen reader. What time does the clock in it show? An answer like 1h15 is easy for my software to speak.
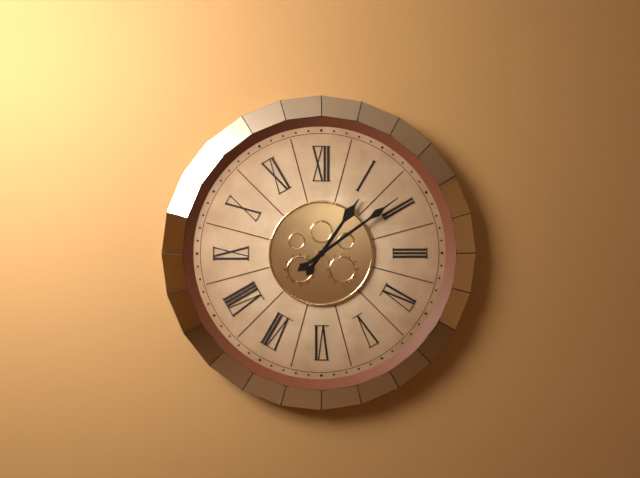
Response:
1h09
